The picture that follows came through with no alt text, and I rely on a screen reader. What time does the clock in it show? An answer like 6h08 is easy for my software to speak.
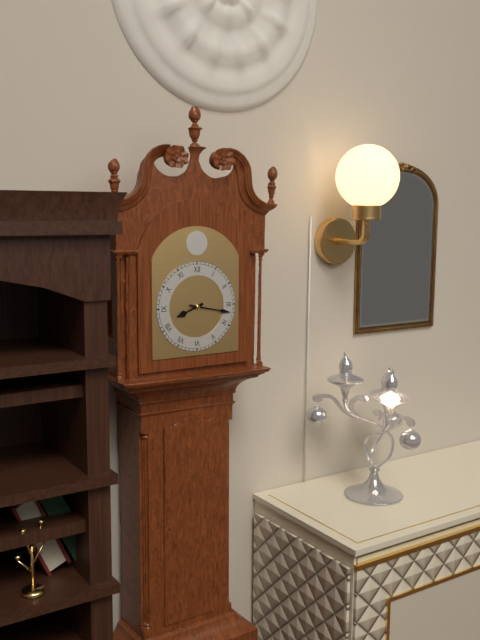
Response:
8h17
